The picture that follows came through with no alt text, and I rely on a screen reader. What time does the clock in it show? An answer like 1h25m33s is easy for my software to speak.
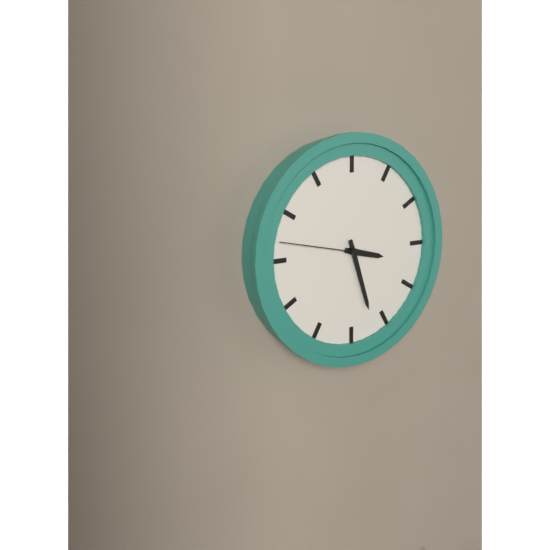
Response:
3h27m47s
